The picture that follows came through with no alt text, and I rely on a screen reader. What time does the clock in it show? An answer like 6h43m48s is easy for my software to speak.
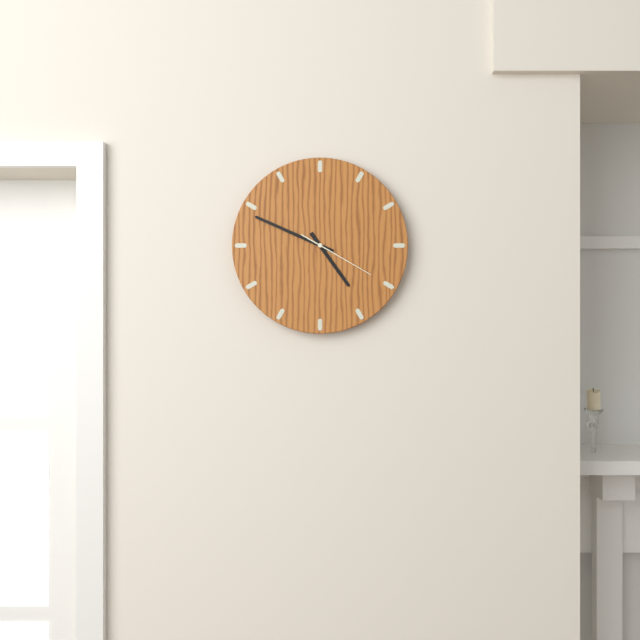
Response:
4h49m20s
